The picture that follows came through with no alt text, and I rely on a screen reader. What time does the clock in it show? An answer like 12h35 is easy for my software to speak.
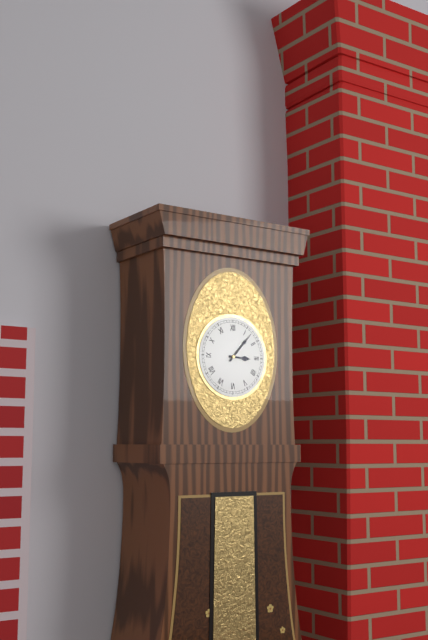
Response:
3h07
